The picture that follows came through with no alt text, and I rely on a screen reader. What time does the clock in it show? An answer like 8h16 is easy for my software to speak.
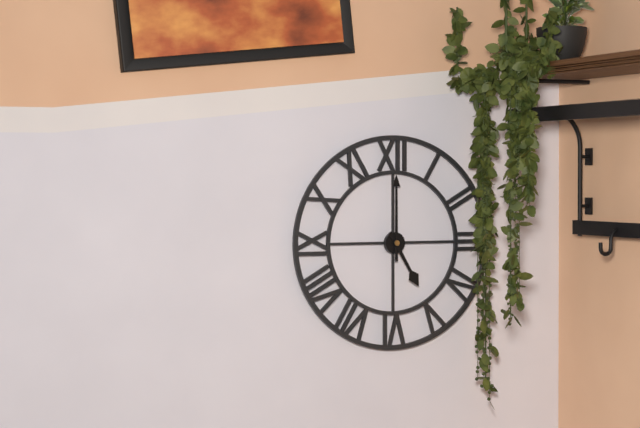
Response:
5h00
